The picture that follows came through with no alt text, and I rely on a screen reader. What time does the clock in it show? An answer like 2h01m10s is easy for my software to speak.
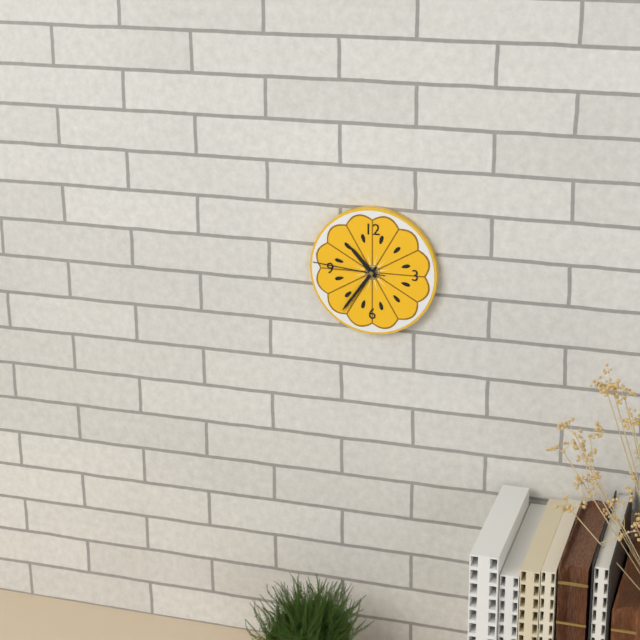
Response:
10h36m46s
